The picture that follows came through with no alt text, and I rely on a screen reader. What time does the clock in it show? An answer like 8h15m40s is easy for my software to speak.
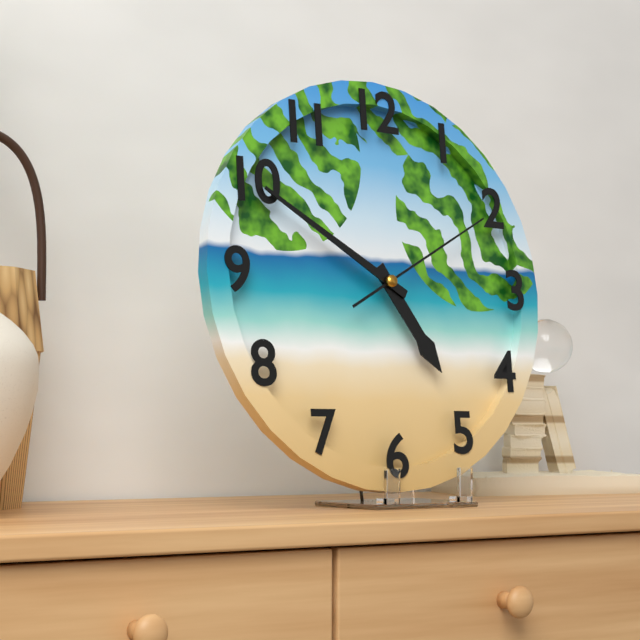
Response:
4h50m10s
